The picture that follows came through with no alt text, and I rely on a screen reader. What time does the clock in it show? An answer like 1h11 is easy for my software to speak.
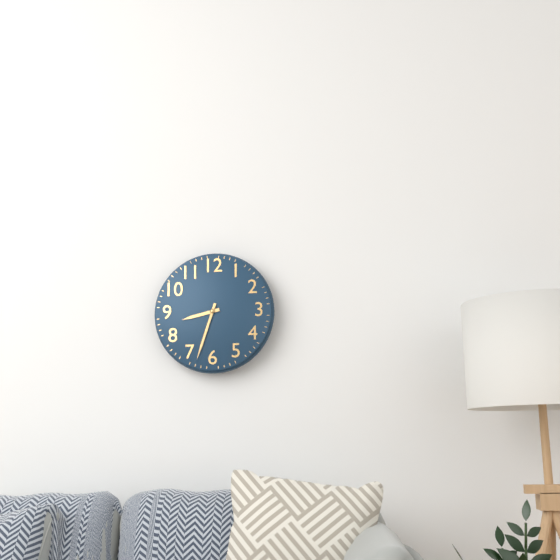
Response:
8h33
